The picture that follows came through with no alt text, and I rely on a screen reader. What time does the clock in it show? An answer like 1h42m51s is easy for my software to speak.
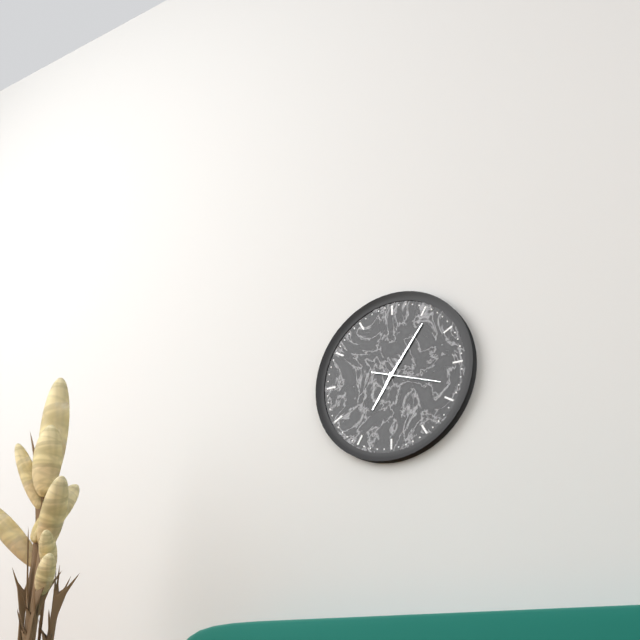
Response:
7h06m18s
